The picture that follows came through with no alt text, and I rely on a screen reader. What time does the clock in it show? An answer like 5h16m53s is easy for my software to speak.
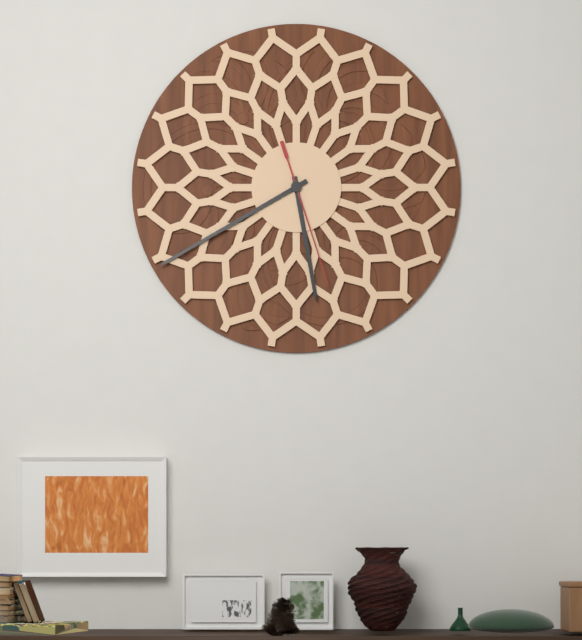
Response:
5h40m27s
